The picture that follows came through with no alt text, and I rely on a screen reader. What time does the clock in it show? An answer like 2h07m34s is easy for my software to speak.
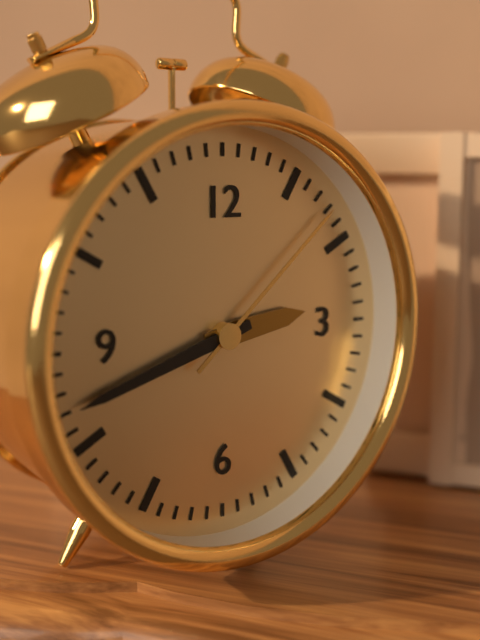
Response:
2h42m08s
